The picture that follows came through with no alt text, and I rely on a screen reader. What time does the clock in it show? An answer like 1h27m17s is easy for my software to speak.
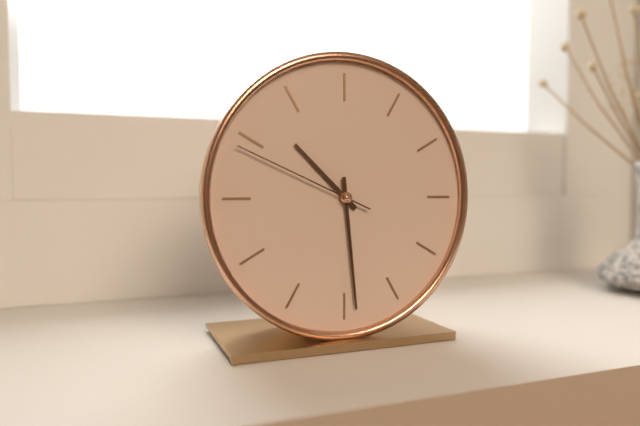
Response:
10h29m49s
